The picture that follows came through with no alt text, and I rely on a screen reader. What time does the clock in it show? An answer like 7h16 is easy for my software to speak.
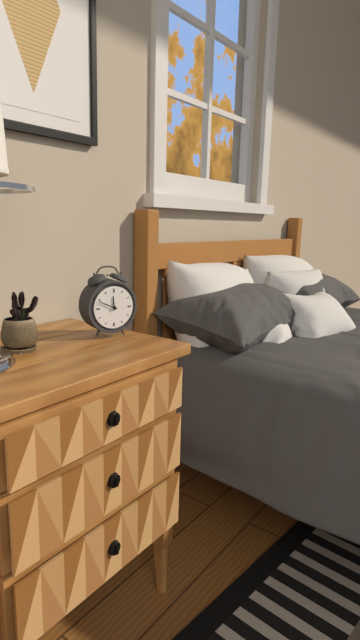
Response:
11h49
